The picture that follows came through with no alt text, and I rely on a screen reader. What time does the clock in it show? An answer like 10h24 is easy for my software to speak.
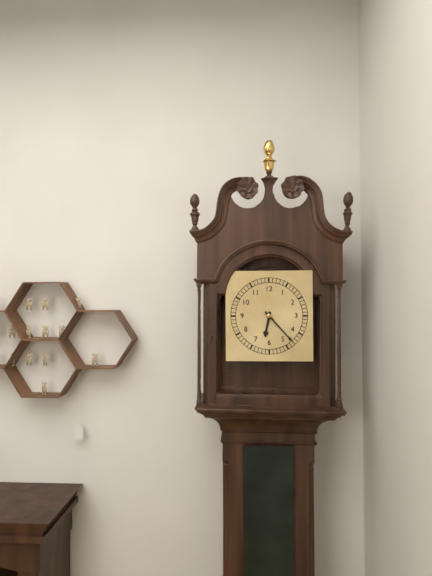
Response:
6h23
